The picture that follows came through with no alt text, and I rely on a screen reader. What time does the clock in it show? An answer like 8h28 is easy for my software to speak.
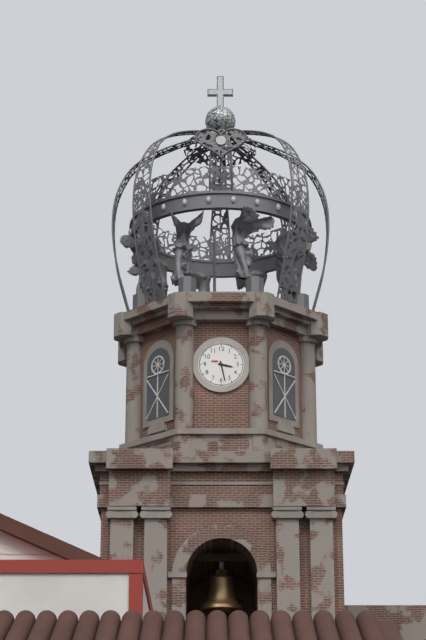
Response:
3h28
